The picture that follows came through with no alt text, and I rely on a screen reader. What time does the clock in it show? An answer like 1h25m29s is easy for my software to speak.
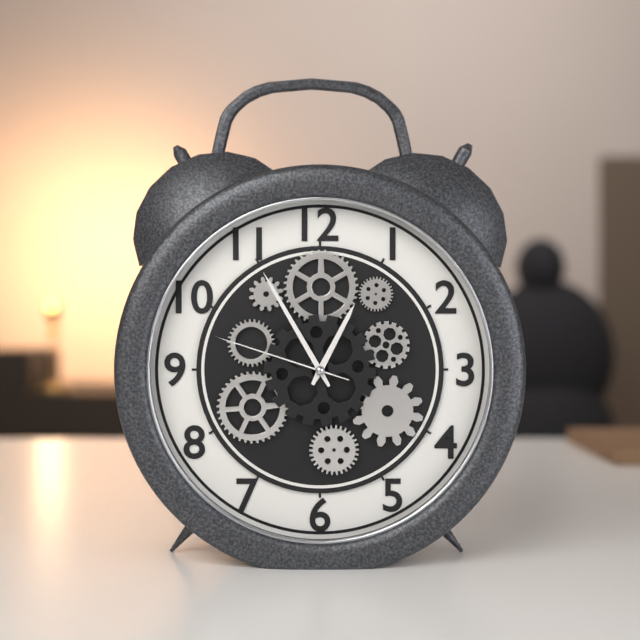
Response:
12h55m48s
